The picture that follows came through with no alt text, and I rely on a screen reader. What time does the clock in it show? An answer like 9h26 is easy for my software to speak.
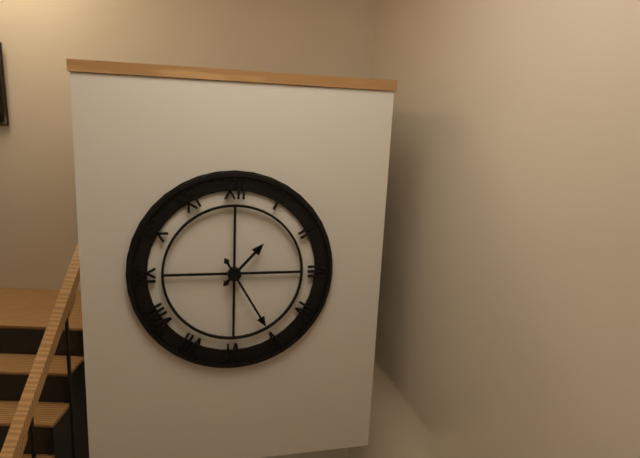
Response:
1h25
